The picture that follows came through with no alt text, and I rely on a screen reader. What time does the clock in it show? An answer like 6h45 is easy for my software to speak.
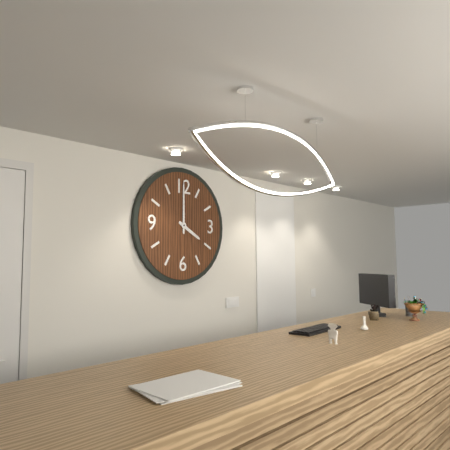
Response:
4h00
